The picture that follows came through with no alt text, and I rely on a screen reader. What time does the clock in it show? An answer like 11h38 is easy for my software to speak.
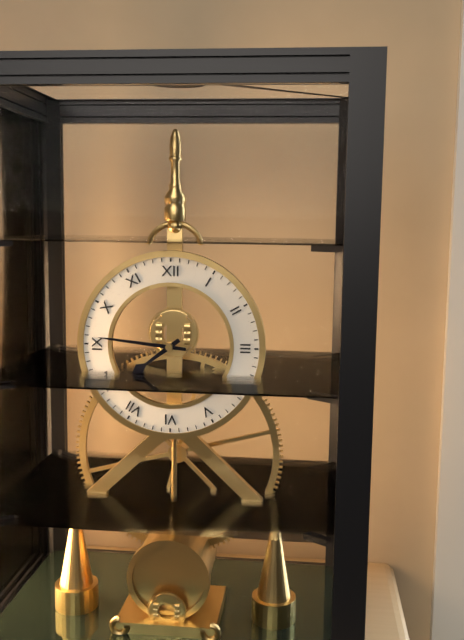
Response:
7h46
